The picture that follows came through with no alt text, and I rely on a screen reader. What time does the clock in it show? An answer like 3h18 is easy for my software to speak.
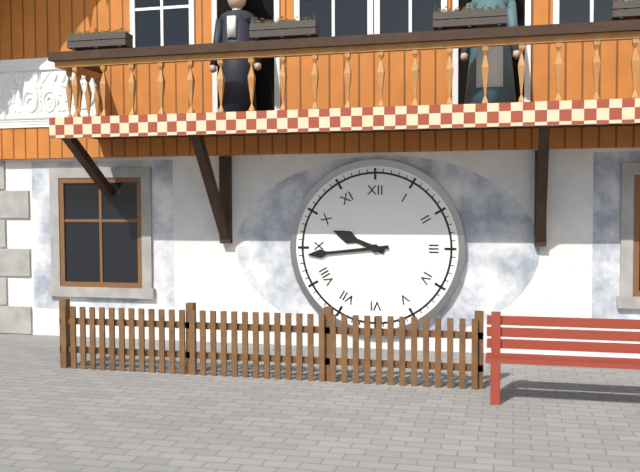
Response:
9h44
